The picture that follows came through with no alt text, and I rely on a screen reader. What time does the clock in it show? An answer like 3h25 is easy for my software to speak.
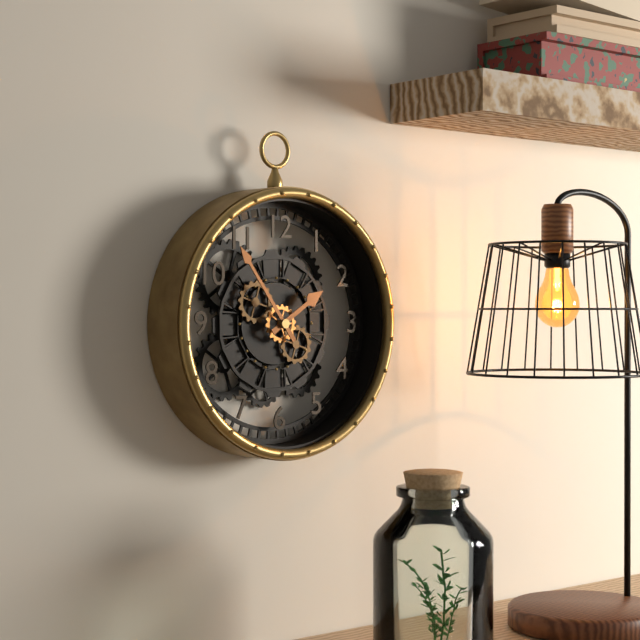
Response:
1h54
